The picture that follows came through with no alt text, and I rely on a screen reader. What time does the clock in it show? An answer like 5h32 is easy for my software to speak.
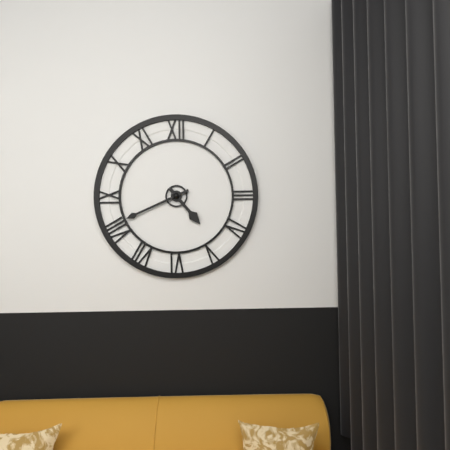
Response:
4h41
